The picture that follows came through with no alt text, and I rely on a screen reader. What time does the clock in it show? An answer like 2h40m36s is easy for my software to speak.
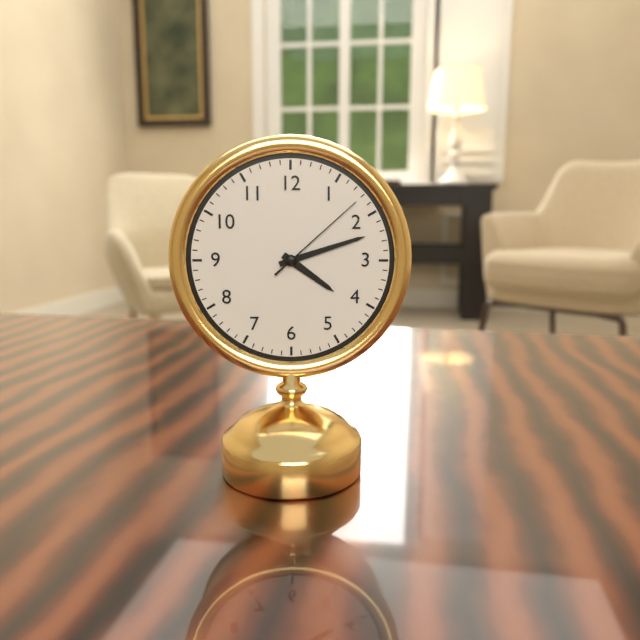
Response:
4h12m08s
